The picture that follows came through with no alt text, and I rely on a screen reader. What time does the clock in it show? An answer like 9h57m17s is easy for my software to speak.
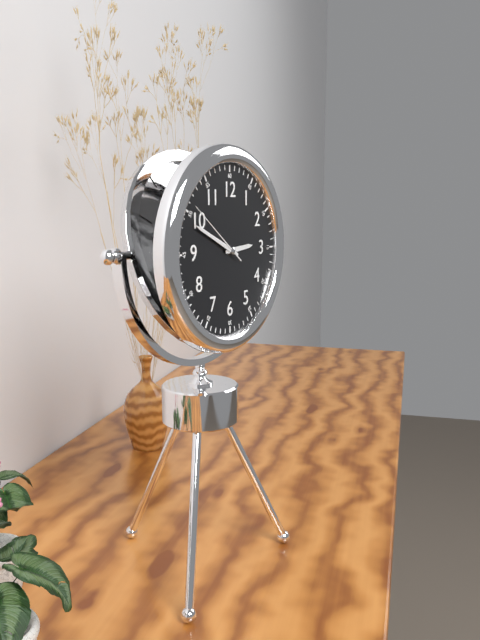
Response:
2h49m51s
